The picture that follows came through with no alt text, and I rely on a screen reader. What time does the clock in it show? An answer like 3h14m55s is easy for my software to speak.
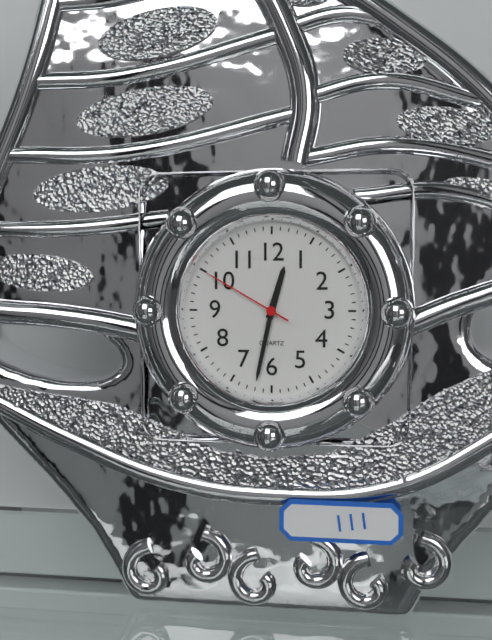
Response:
12h32m50s
